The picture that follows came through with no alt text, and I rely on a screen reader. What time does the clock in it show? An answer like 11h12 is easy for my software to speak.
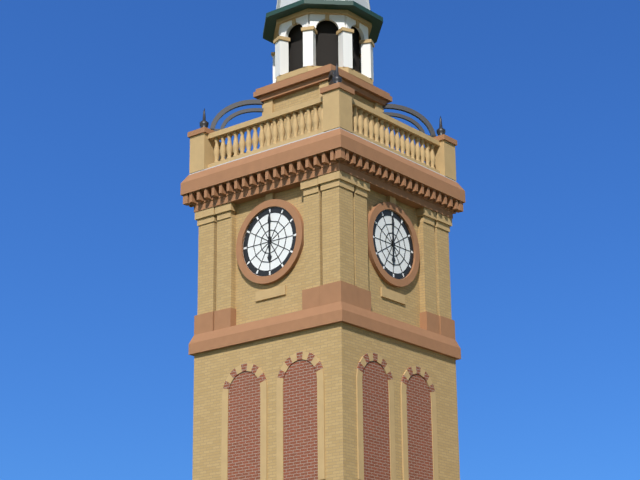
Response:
6h00
